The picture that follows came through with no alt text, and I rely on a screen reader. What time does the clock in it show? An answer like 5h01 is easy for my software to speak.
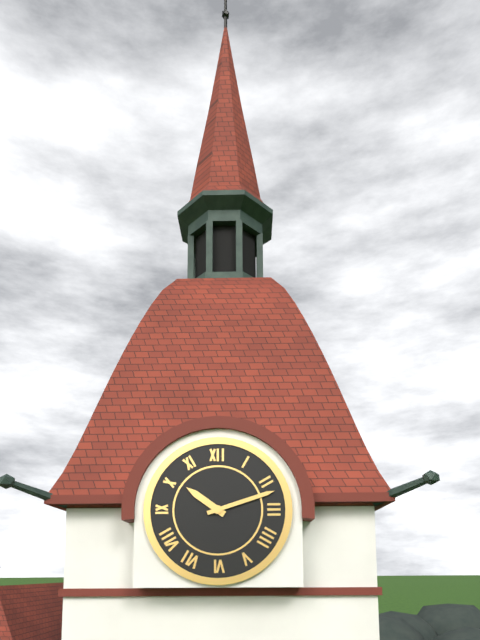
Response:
10h12
